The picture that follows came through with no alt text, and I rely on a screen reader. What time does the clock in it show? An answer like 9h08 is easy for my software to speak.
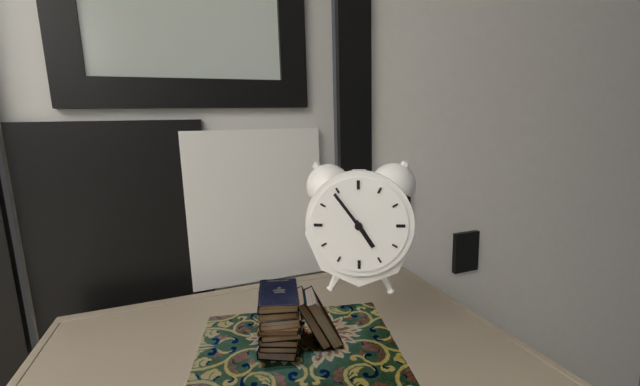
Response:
4h54
